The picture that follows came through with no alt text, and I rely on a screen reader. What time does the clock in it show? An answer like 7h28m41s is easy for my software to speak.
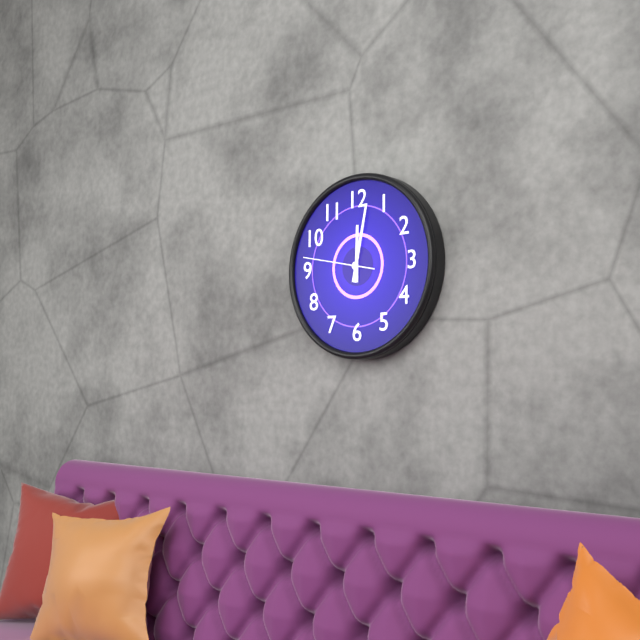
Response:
12h02m47s
